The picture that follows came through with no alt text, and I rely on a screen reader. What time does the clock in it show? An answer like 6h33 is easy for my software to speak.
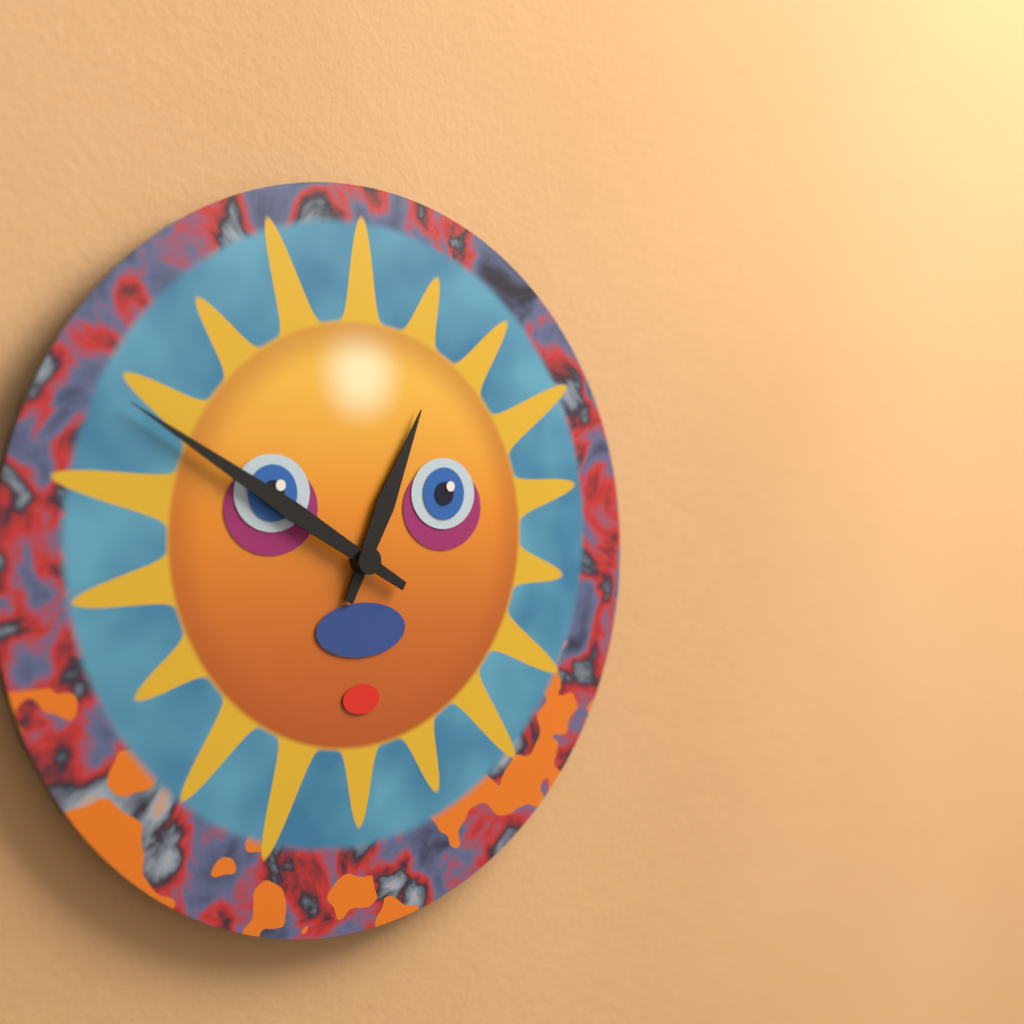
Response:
12h50
